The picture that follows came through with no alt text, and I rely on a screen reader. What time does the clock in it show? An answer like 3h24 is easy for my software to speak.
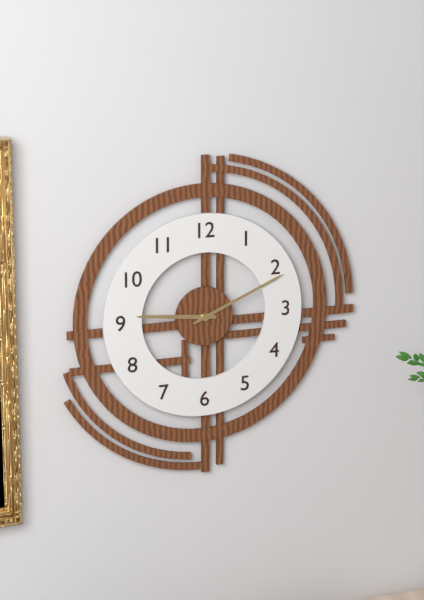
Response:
9h11
